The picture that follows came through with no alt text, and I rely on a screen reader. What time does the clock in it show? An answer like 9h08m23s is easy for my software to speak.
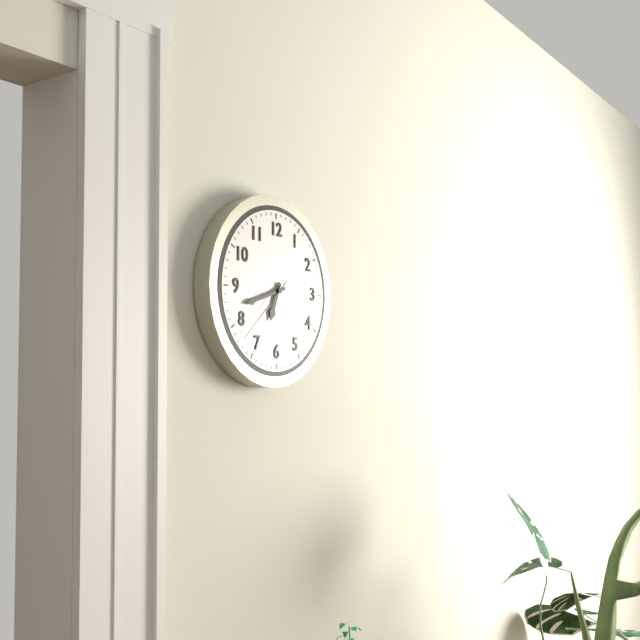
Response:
6h42m38s
